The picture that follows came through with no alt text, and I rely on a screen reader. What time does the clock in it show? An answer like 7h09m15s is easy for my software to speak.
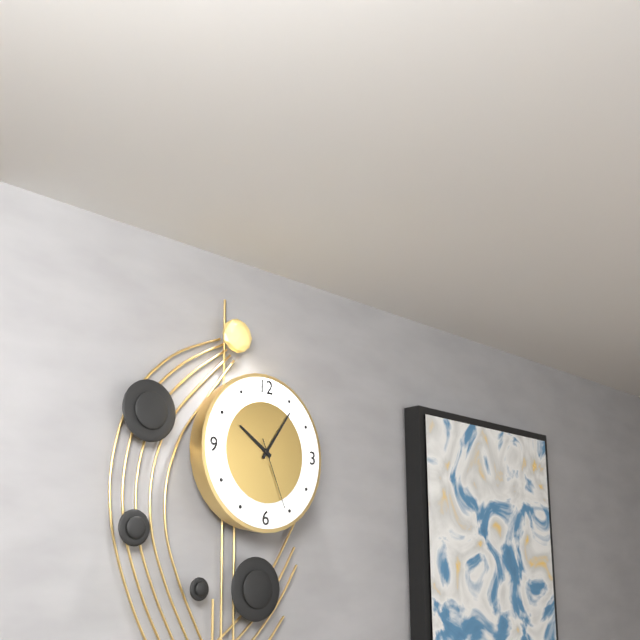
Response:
10h06m26s
